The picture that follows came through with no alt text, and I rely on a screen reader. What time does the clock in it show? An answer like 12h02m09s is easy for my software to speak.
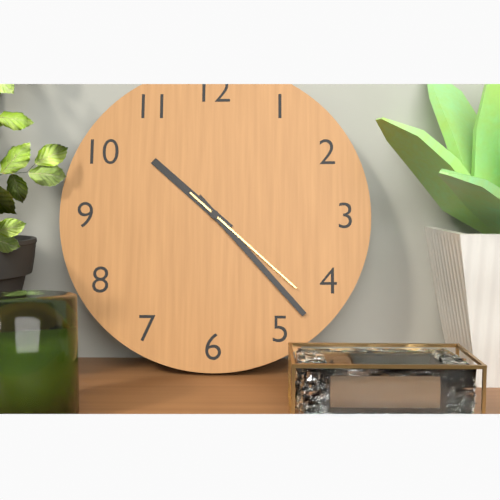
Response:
10h23m22s
